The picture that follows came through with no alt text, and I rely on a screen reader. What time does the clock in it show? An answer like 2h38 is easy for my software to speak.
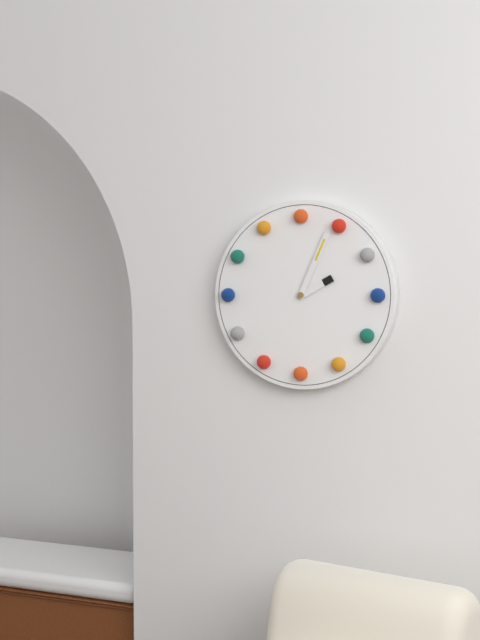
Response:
2h04
